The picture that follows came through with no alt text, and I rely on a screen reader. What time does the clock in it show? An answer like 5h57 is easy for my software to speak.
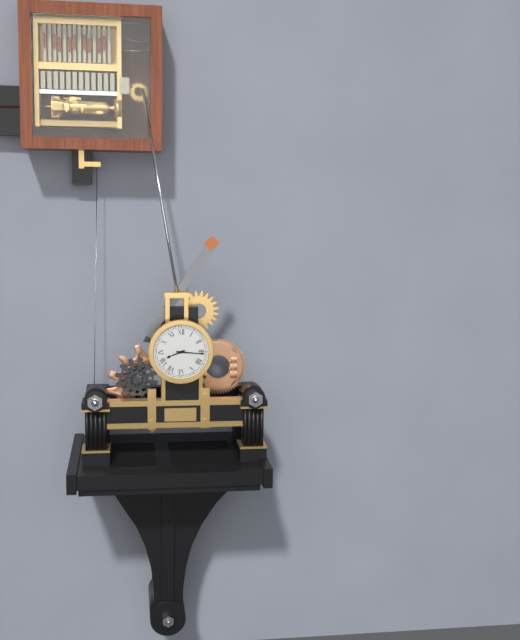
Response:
8h16
